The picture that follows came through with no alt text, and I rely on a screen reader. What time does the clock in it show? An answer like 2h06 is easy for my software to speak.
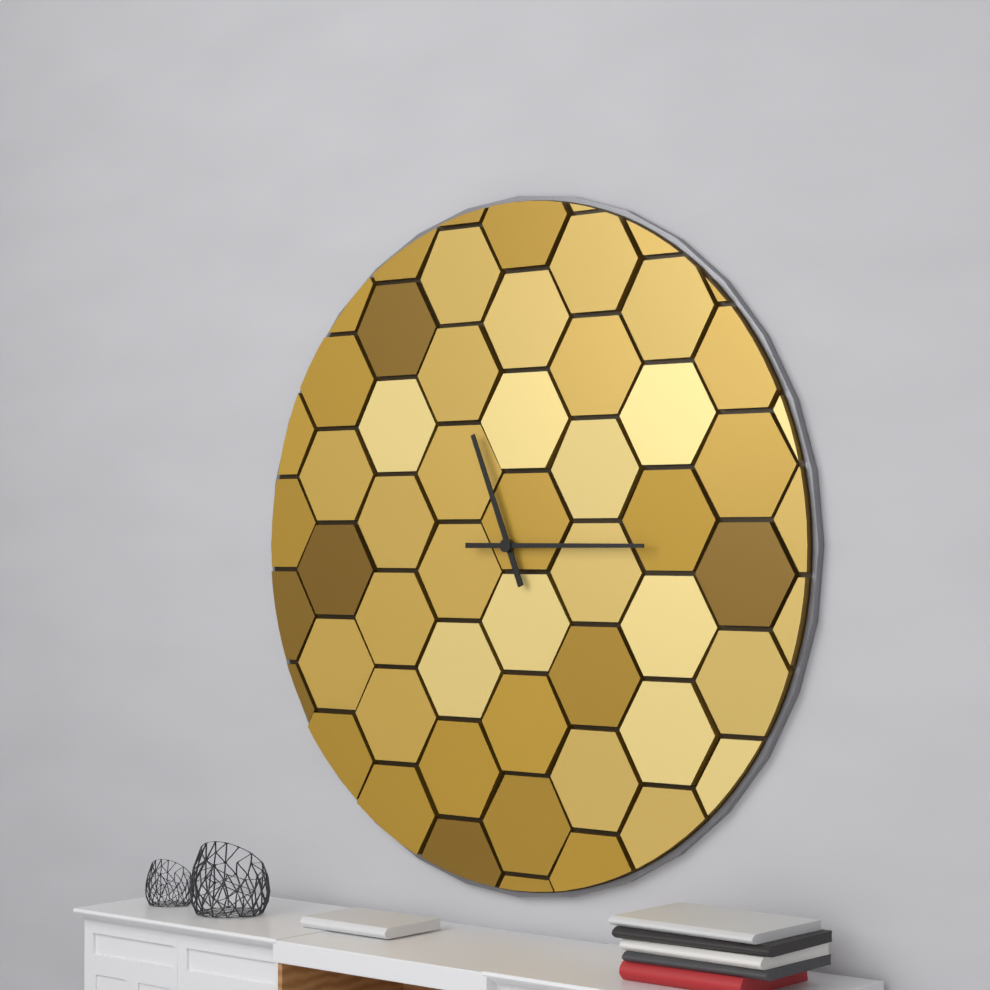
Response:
11h15
